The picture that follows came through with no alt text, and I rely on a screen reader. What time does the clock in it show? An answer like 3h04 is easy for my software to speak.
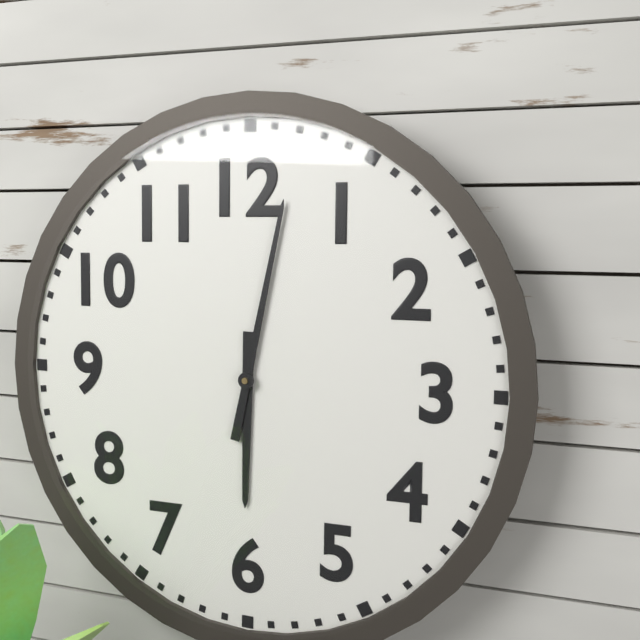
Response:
6h02
